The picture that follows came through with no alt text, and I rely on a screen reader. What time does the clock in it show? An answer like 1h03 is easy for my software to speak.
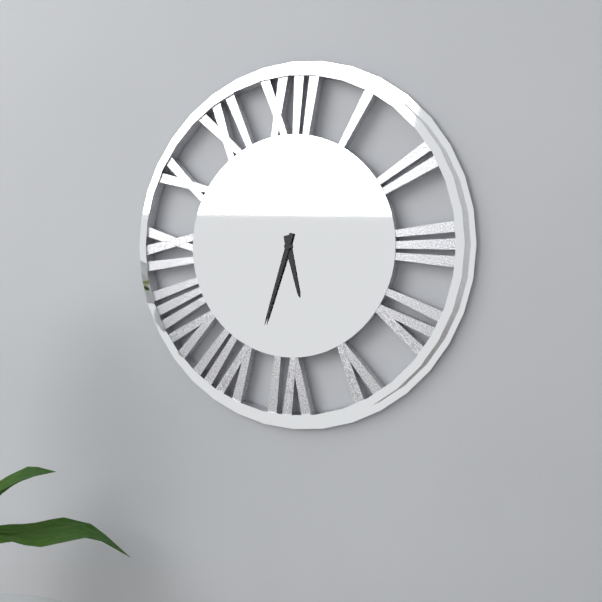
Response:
5h33
